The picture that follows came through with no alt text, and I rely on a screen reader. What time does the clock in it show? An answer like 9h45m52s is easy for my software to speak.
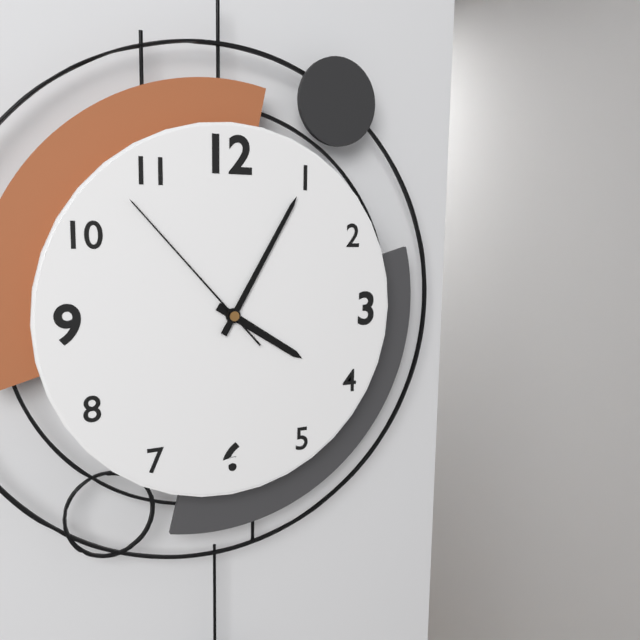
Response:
4h05m53s
